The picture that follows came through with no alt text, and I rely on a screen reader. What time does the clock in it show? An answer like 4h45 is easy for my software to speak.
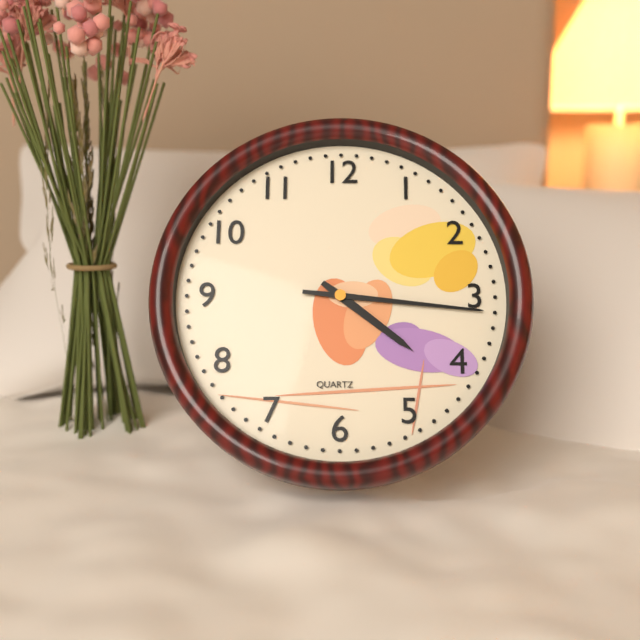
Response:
4h16
